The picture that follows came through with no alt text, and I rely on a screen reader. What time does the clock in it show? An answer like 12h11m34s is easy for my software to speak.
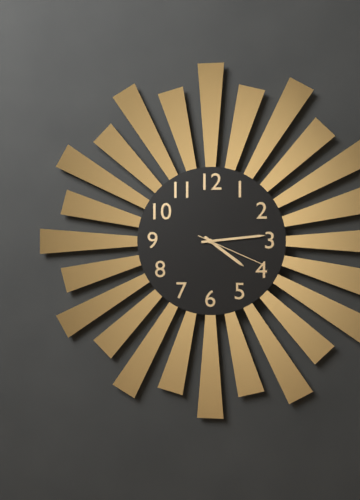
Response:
4h14m19s
